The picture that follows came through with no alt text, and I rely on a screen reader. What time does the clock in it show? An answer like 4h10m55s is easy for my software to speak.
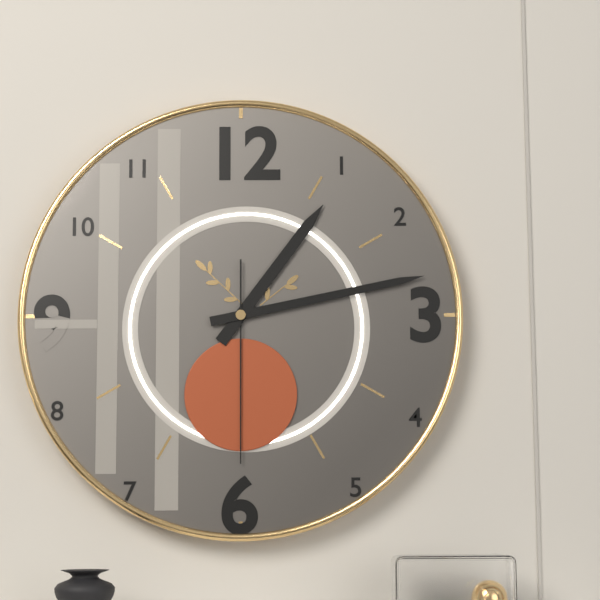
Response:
1h13m30s
